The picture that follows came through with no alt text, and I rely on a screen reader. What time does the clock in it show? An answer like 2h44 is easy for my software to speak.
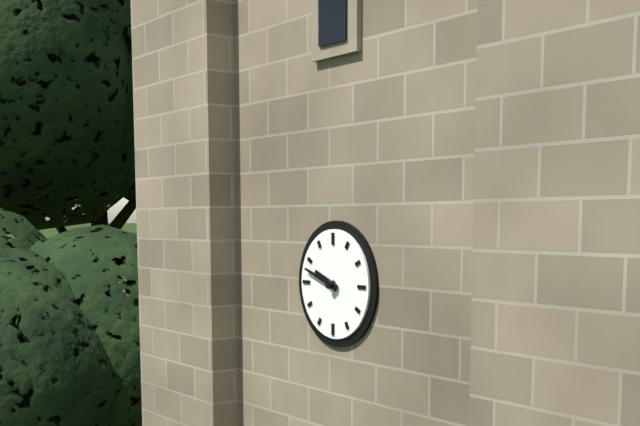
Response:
9h48
